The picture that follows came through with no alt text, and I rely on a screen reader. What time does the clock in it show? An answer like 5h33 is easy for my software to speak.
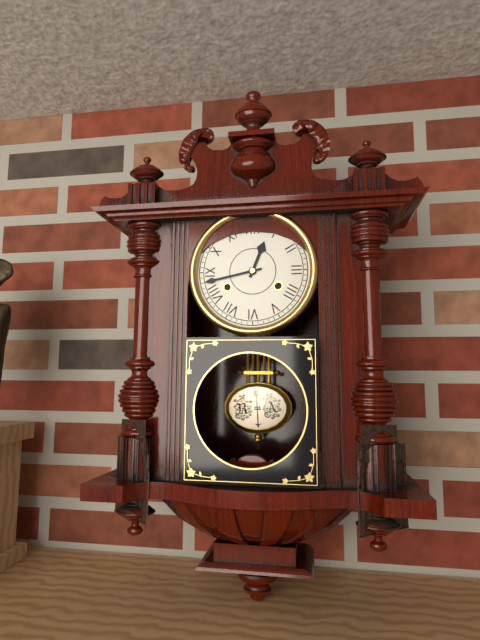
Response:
12h43
